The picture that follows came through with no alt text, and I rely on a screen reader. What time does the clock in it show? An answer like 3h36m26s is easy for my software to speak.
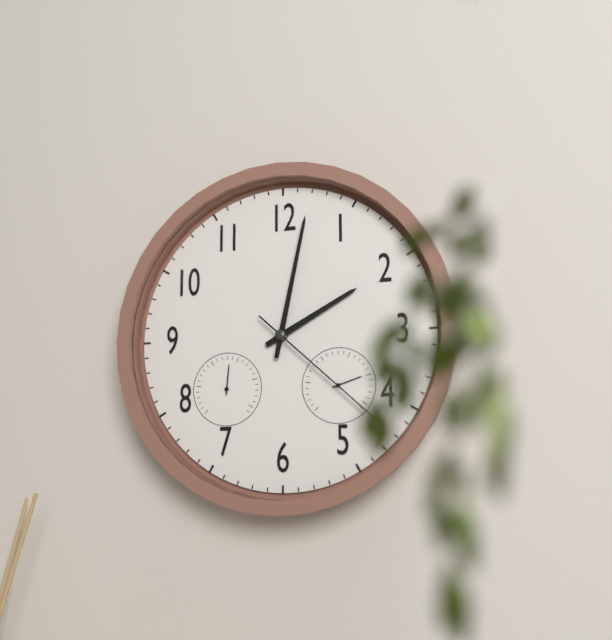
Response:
2h02m22s
